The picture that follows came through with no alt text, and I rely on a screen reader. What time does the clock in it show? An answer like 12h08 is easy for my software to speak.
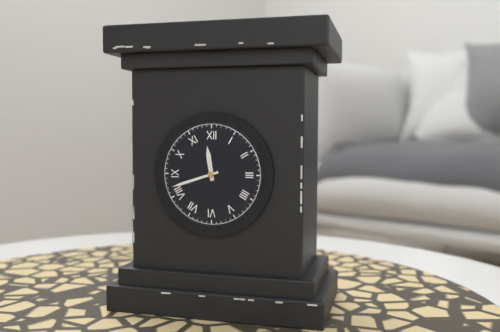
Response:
11h42
